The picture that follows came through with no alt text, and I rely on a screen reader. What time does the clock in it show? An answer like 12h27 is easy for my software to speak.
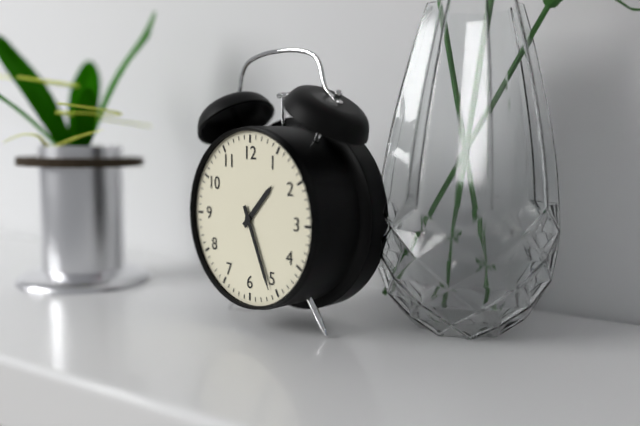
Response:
1h26
